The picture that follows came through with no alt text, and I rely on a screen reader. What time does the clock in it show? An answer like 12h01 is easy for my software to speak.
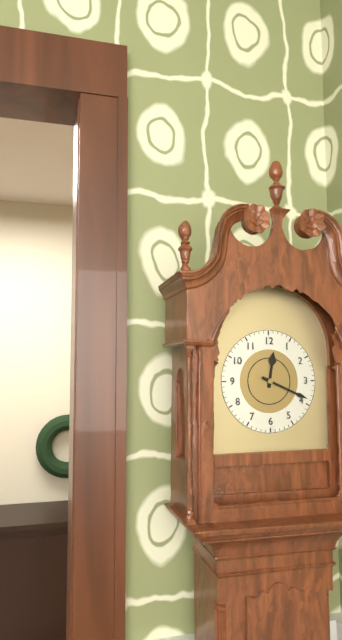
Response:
12h19
